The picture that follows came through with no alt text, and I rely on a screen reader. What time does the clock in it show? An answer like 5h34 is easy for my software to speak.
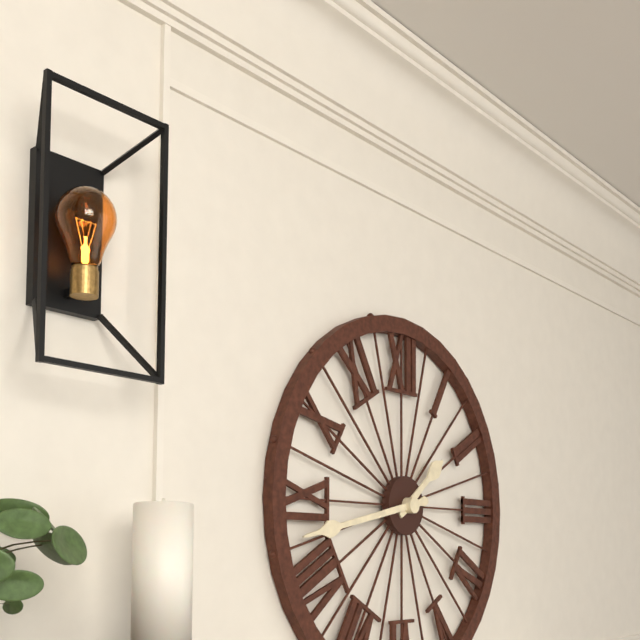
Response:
1h43
